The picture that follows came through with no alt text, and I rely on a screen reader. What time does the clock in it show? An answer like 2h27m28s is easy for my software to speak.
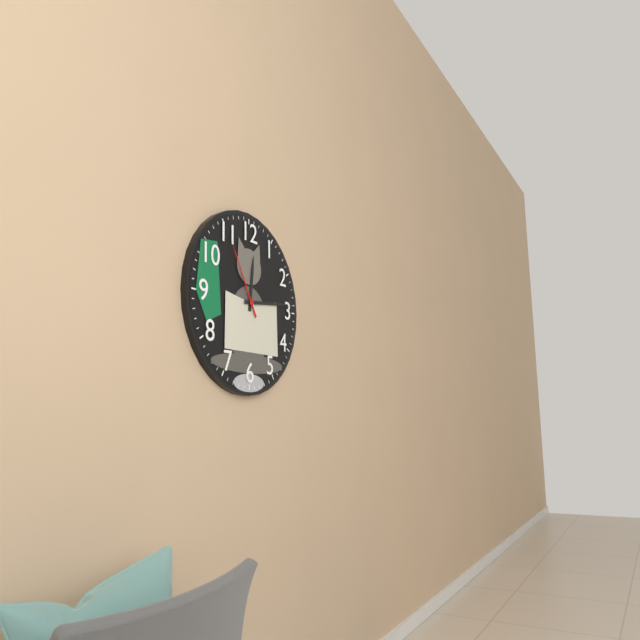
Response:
12h14m55s
